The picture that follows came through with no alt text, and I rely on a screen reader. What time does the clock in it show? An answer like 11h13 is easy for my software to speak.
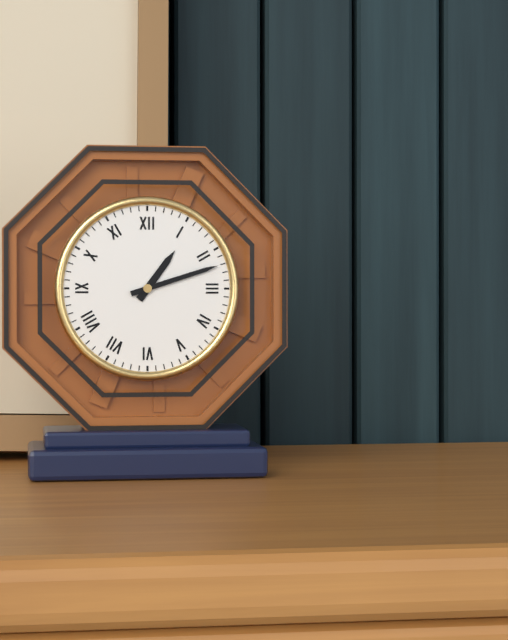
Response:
1h12
